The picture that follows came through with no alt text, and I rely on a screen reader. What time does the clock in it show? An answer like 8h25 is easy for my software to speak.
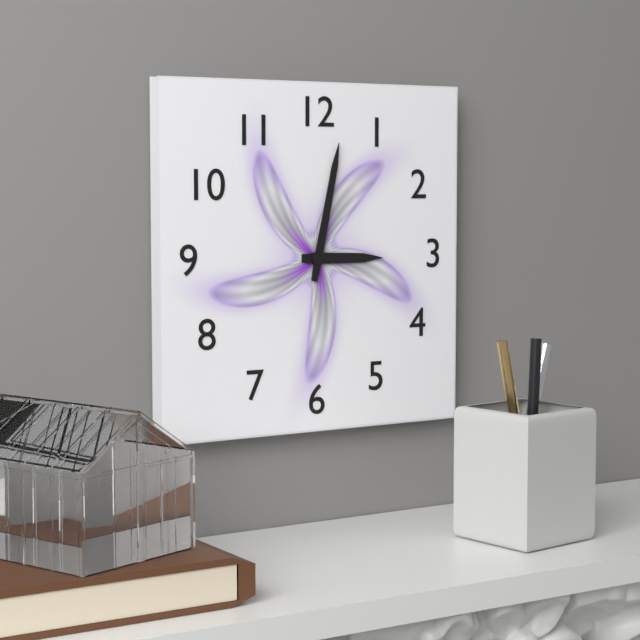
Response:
3h02
